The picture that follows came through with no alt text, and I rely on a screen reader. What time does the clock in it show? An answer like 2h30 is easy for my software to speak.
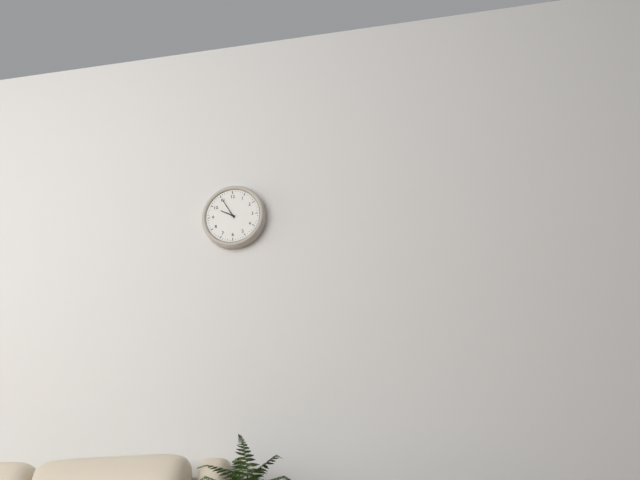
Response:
9h55
